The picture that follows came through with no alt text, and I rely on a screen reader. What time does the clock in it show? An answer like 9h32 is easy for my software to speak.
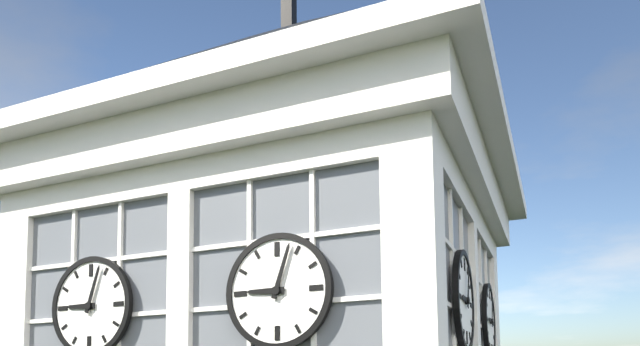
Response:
9h03
